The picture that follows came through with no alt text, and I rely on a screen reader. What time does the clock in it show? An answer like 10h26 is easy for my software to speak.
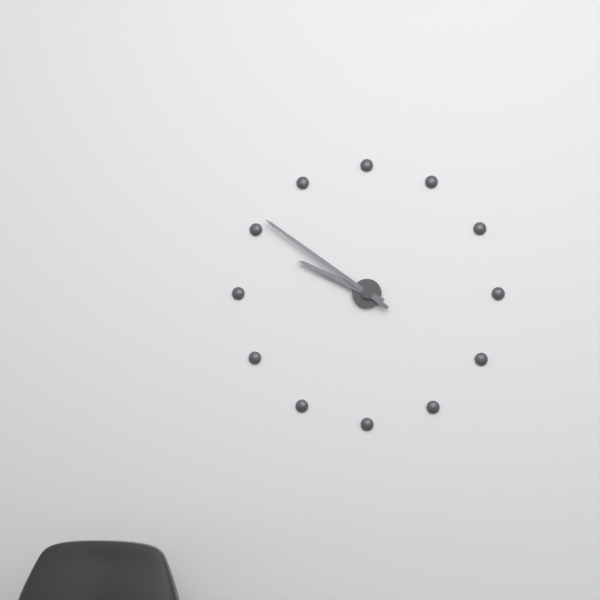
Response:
9h51
